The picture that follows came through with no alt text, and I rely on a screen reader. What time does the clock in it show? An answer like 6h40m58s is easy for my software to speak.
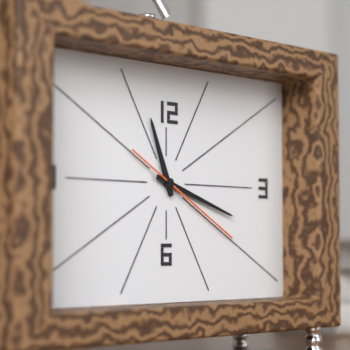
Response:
11h18m20s
